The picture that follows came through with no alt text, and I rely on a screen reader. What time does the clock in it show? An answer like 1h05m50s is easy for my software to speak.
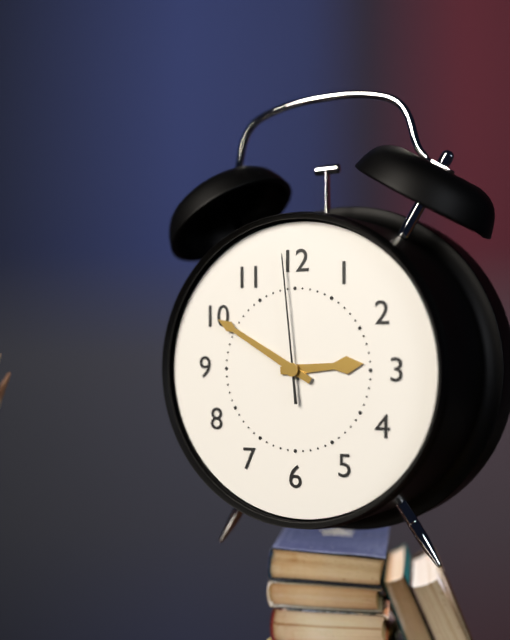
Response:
2h50m59s
